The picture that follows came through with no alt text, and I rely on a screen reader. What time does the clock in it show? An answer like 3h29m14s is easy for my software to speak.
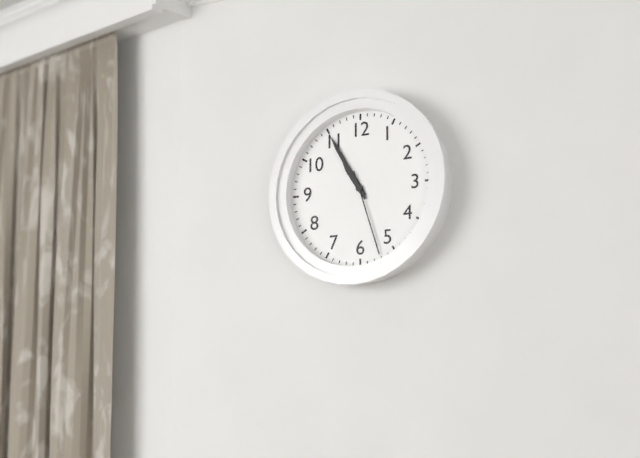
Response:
10h55m27s
